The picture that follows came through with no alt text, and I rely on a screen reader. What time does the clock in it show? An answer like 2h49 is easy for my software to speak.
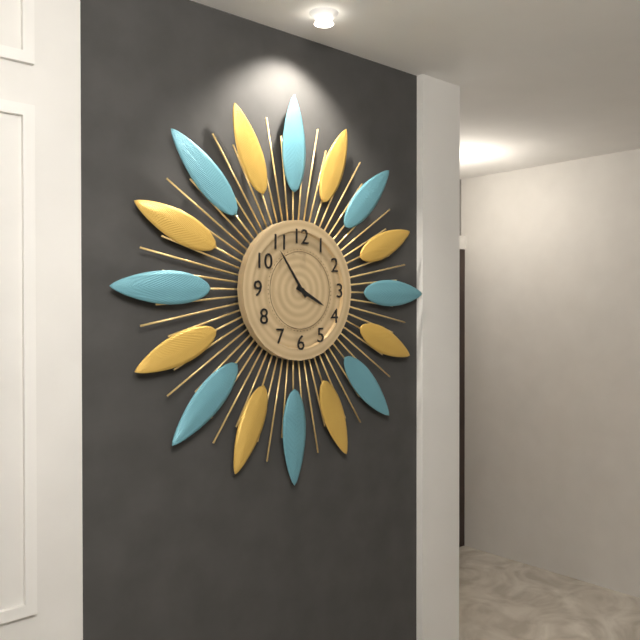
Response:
3h54
